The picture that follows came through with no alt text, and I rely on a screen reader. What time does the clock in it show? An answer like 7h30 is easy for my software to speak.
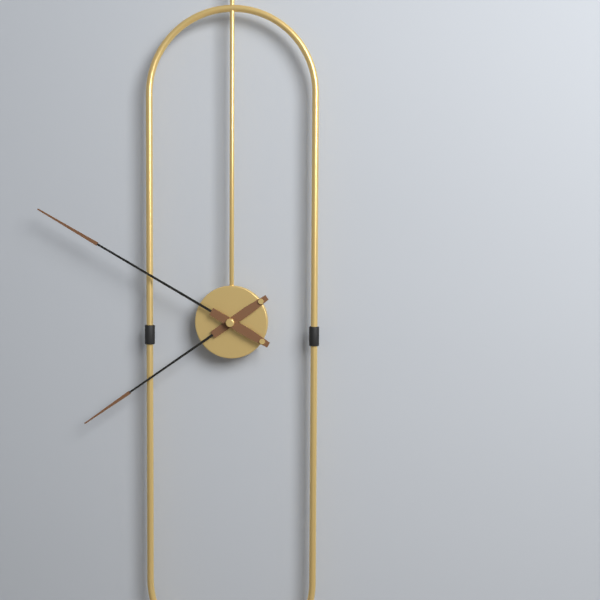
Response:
7h50
